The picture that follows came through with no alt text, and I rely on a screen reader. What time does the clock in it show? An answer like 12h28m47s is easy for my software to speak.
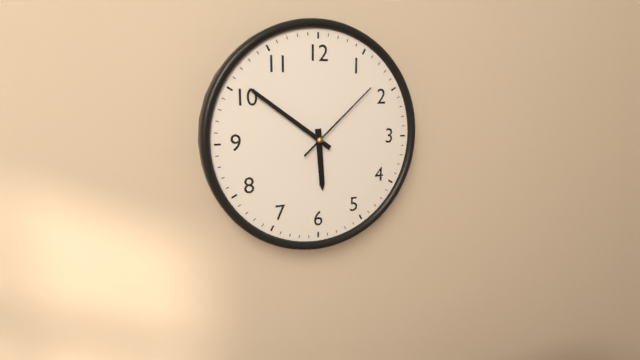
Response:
5h51m08s
